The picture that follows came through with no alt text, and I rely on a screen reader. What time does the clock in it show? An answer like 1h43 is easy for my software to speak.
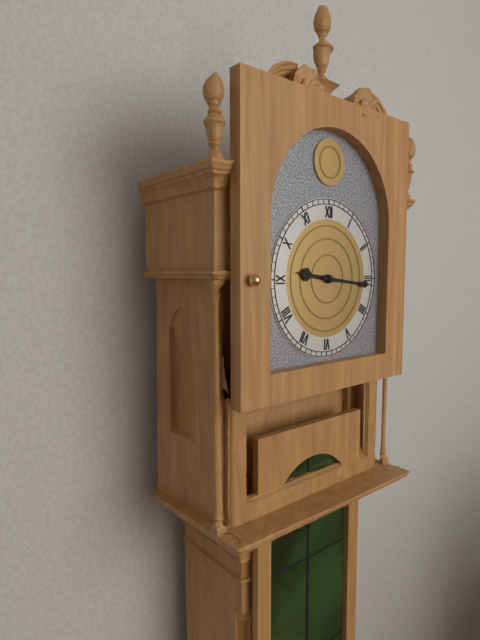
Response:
9h16
